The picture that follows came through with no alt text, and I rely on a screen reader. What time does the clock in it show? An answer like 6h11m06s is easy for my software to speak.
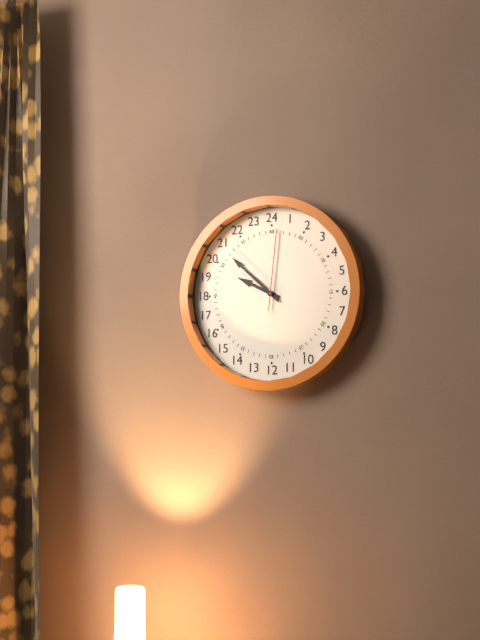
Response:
9h52m01s
